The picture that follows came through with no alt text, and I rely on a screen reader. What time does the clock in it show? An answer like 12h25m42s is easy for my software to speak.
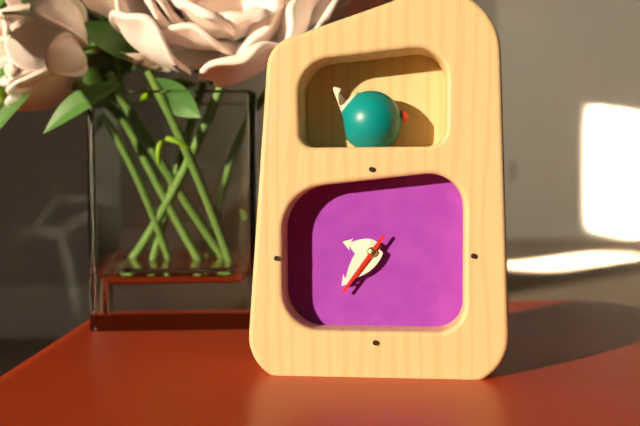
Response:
9h37m36s
